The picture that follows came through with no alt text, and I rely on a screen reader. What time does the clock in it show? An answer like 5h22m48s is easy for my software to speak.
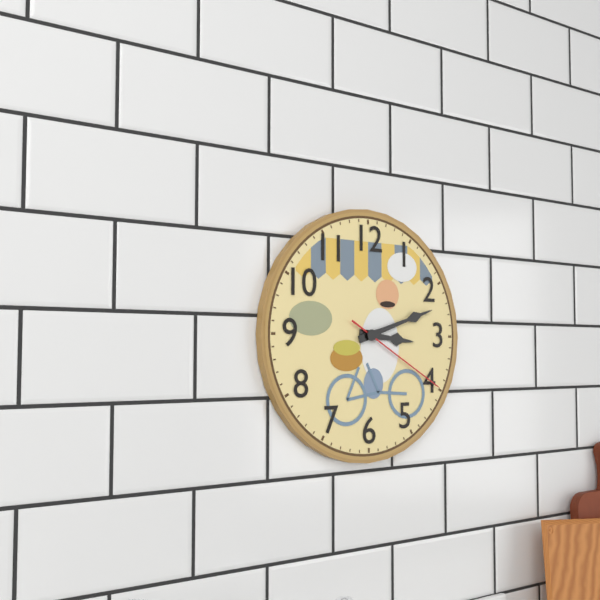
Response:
3h12m20s
